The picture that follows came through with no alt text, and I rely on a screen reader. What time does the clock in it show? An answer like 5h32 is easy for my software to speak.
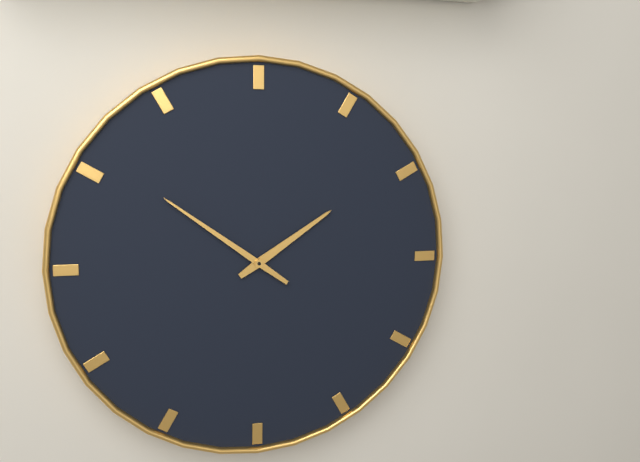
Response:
1h51
